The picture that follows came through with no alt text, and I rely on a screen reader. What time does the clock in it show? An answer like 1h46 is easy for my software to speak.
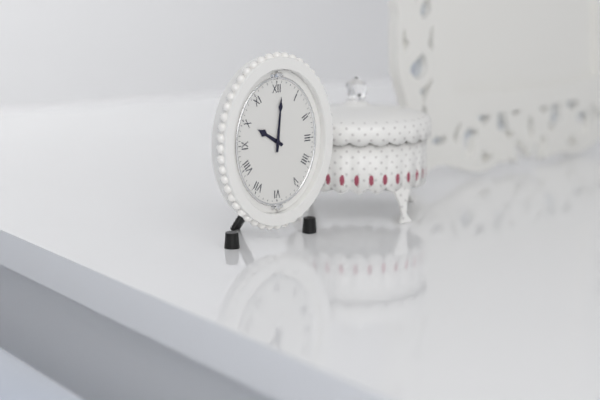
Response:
10h01
